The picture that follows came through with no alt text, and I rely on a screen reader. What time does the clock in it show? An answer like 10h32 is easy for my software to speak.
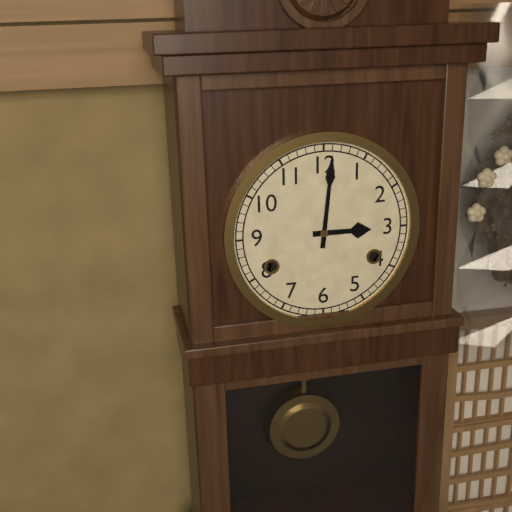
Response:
3h01
